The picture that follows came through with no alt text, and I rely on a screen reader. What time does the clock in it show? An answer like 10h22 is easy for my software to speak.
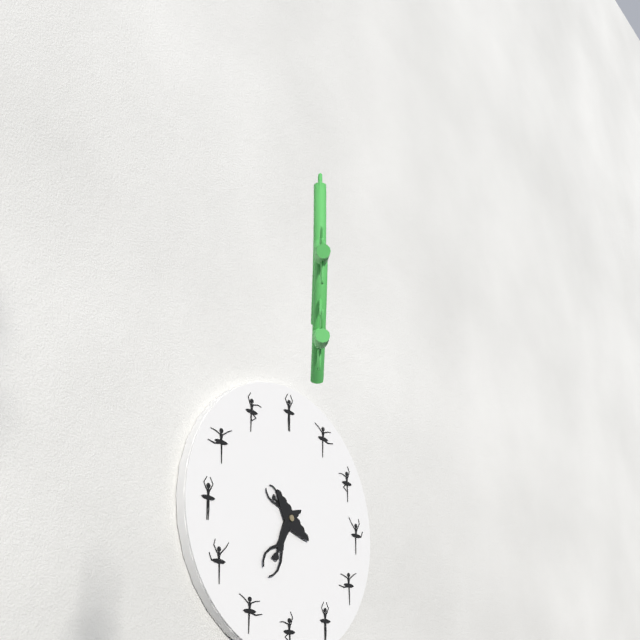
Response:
10h37
